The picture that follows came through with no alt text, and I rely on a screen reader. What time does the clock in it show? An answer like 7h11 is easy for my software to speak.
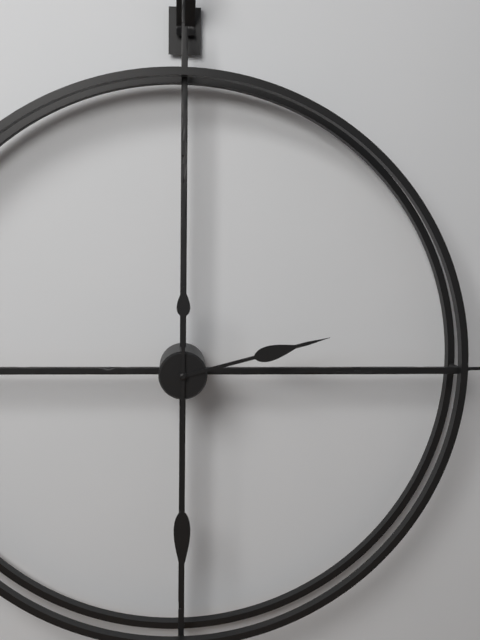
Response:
2h30
